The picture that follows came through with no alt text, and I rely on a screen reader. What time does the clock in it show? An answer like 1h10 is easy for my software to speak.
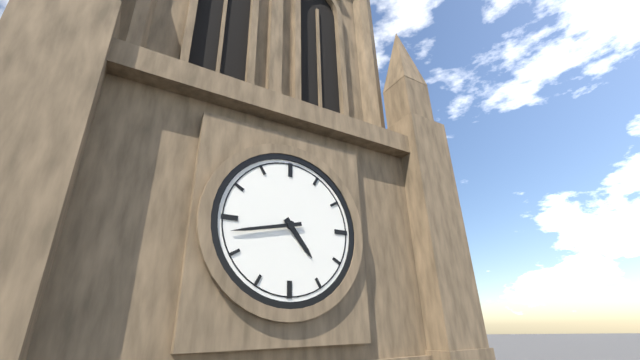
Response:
4h43
